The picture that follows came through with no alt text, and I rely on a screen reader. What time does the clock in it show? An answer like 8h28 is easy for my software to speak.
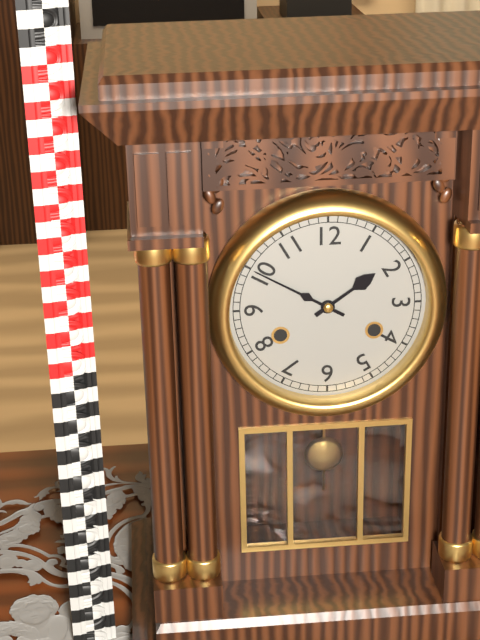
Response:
1h50
